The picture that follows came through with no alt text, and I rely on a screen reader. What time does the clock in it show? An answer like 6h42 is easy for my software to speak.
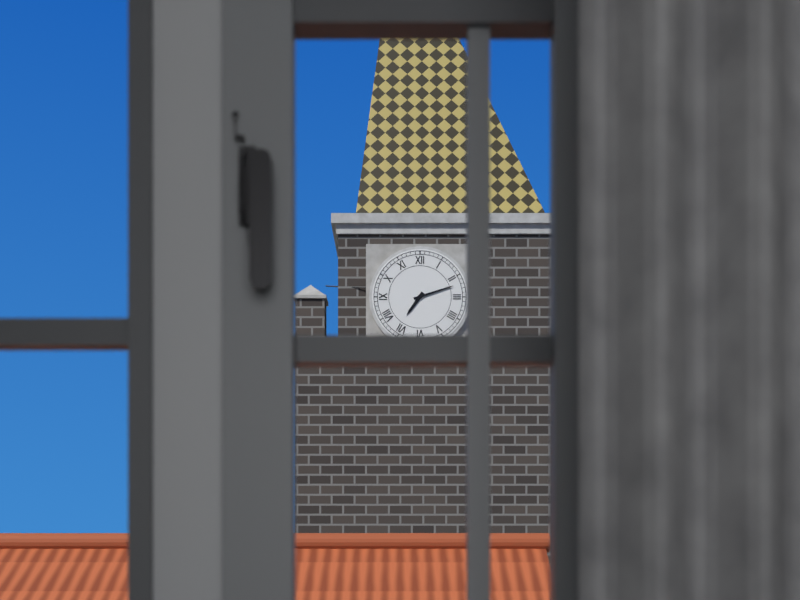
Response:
7h12
